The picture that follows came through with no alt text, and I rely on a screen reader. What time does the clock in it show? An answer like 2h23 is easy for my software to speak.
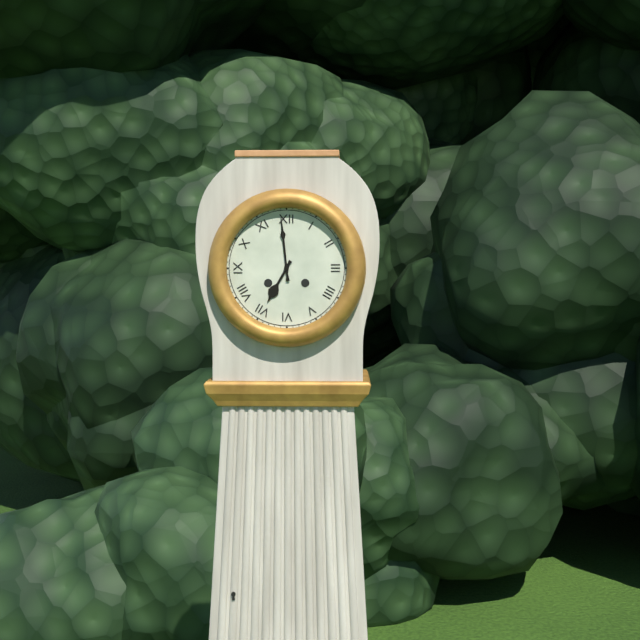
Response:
6h59
